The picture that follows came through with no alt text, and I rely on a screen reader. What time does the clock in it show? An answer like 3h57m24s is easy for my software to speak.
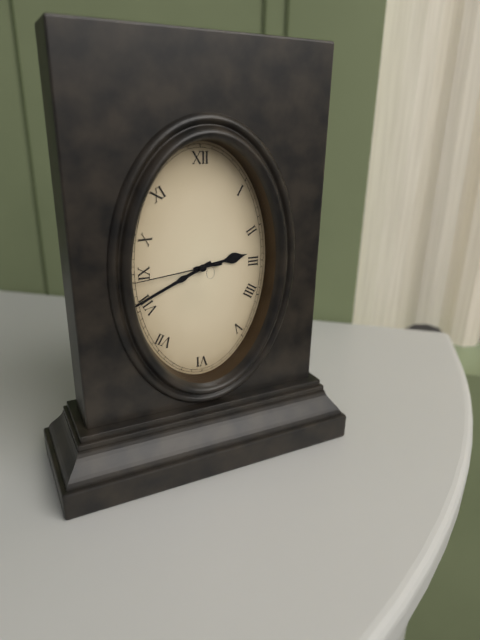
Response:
2h41m44s
